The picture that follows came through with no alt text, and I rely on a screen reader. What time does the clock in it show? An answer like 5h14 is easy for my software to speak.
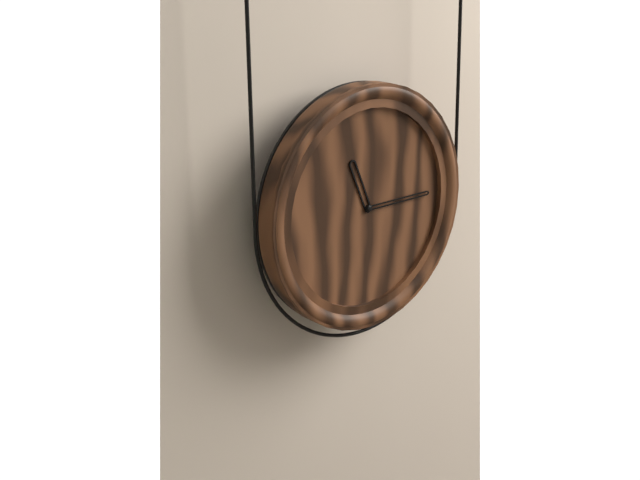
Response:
11h15
